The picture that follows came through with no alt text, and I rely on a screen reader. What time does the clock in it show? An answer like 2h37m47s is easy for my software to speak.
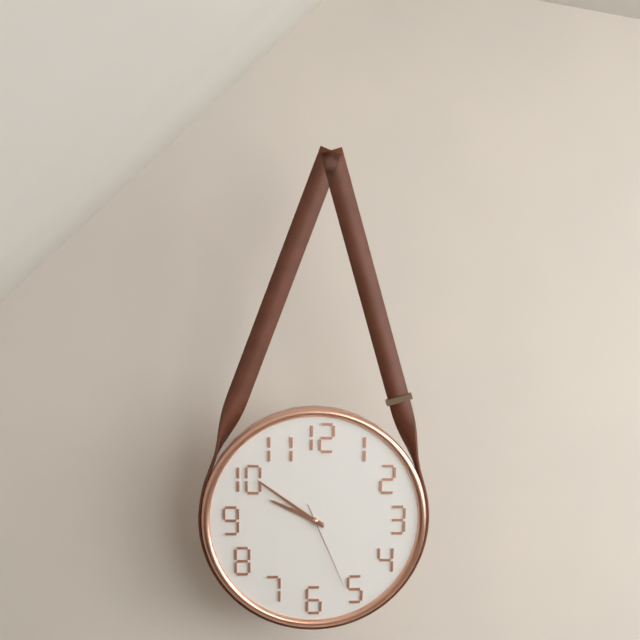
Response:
9h51m26s
